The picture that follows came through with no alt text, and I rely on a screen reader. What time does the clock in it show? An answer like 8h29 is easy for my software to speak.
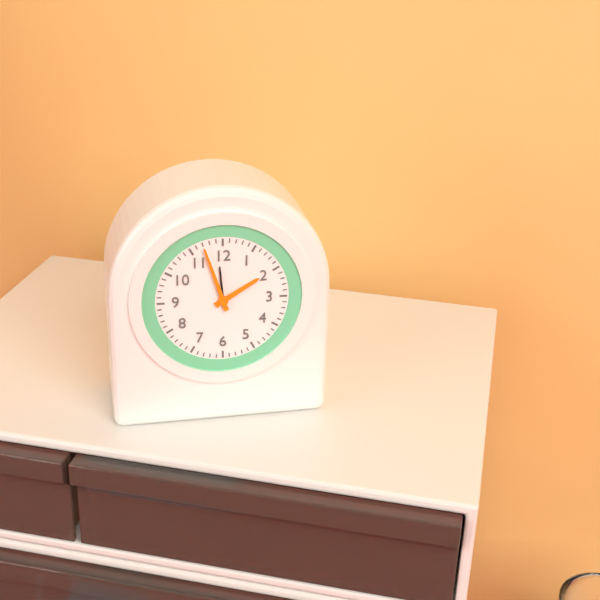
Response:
1h57
